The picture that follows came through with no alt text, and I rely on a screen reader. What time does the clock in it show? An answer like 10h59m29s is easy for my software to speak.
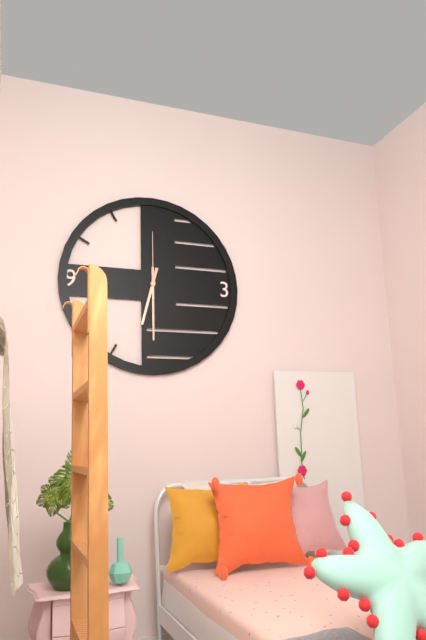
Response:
6h30m00s
